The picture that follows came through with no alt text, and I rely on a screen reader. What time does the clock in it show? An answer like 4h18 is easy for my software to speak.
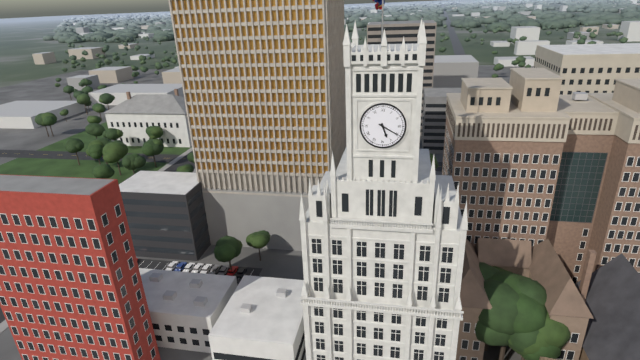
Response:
5h20
